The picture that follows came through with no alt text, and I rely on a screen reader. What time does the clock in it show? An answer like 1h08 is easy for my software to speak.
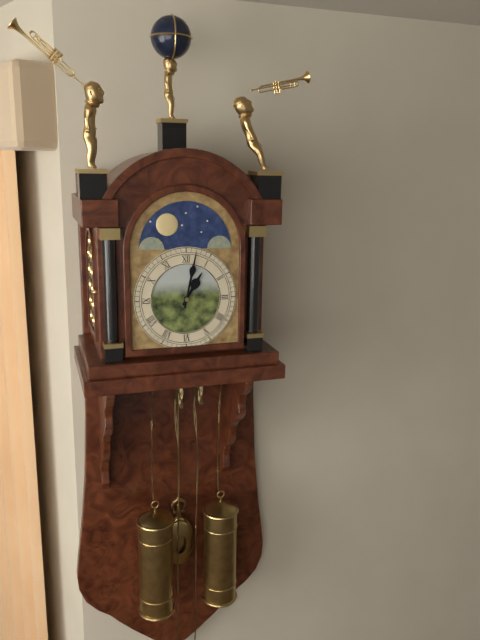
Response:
1h02
